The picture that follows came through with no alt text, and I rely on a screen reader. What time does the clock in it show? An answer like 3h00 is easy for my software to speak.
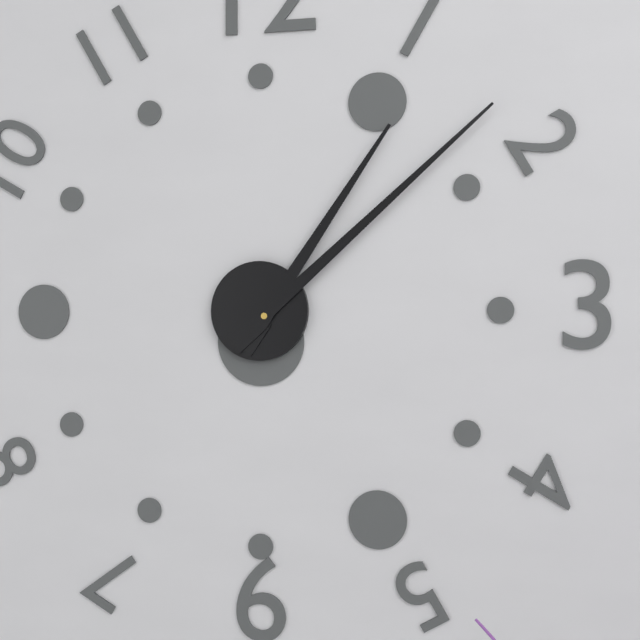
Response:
1h08
